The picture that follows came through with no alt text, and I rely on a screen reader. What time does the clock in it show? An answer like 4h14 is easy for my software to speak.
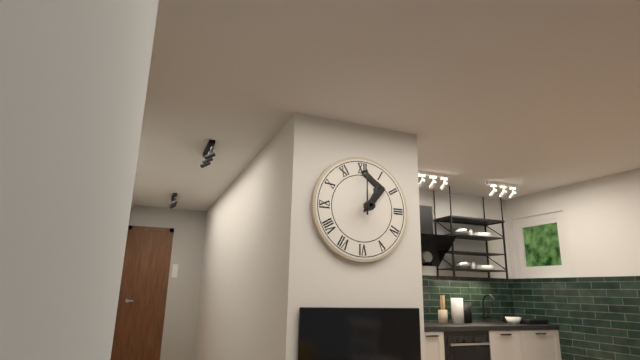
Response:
1h00
